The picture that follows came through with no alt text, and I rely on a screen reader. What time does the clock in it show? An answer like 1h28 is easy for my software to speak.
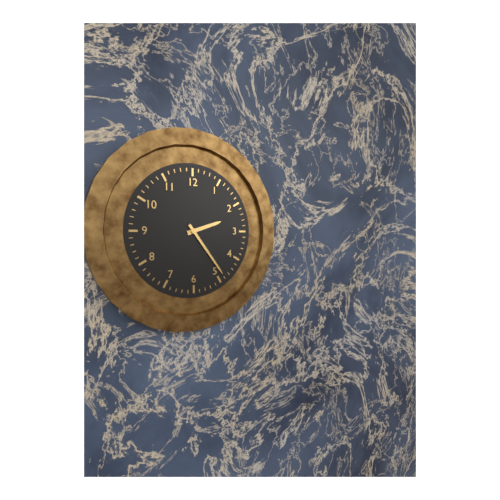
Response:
2h24
